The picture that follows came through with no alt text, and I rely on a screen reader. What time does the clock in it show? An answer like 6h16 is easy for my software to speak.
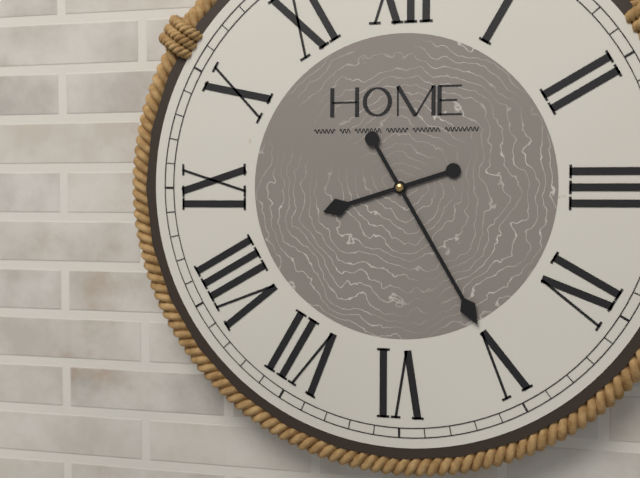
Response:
8h25
